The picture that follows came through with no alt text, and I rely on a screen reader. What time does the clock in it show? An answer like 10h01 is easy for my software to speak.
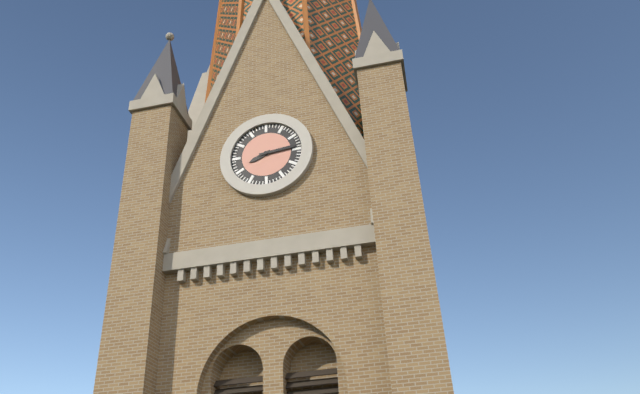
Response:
8h14
